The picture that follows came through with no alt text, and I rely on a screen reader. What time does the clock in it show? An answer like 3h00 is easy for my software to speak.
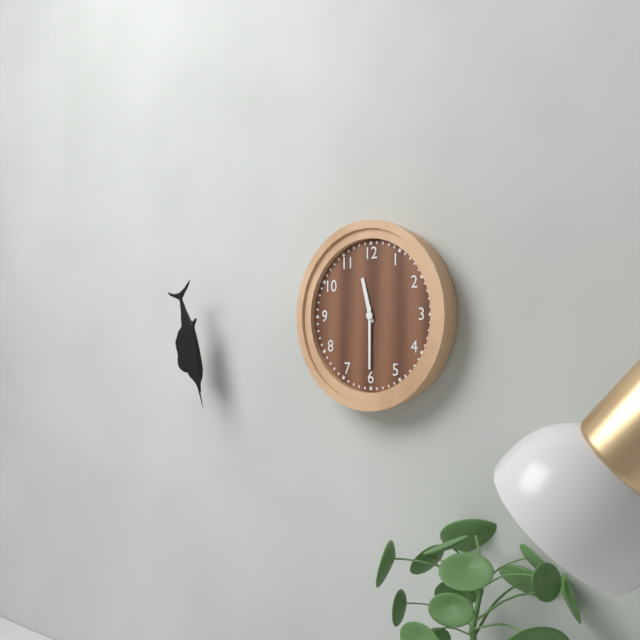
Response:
11h30
